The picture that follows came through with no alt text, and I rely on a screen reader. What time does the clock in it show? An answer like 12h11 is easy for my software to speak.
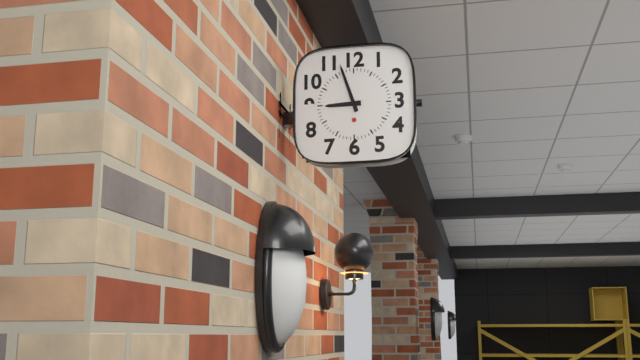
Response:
8h57
